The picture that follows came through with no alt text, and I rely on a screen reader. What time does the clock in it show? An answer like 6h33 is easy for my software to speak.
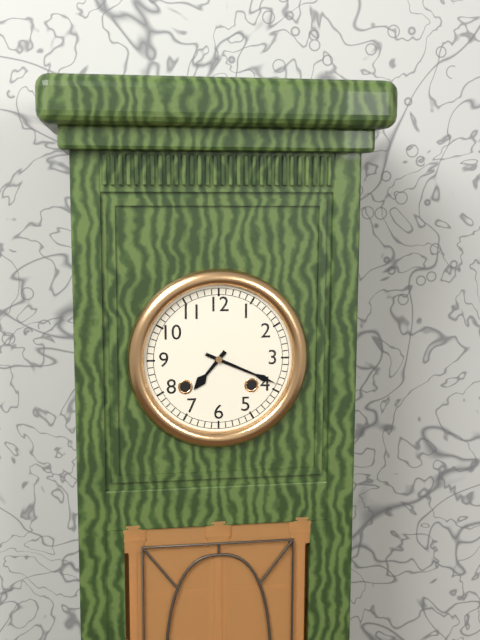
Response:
7h19
